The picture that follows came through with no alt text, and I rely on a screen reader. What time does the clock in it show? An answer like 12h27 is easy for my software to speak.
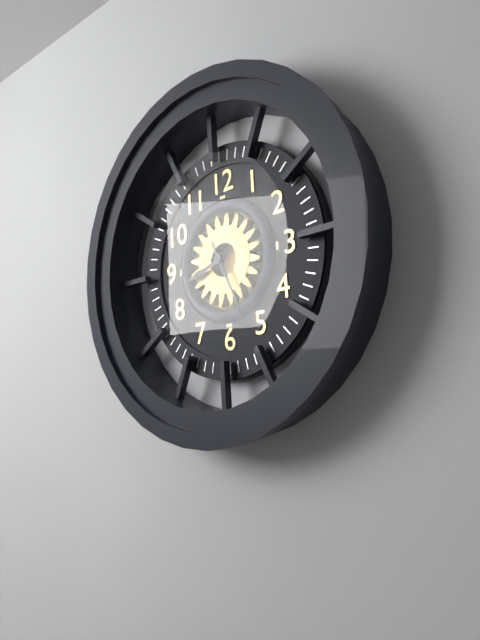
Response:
8h26
